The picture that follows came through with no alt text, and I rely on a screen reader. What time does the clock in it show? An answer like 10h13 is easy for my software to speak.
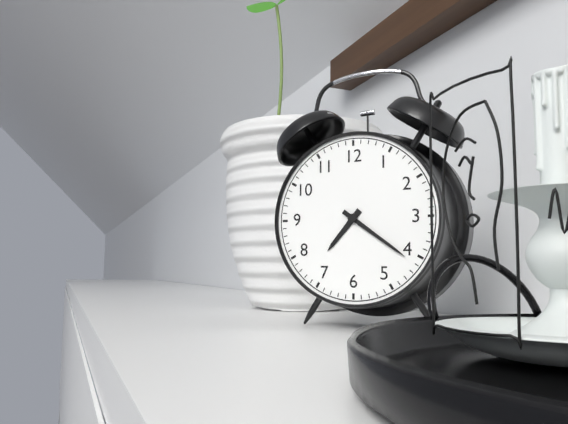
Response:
7h21
